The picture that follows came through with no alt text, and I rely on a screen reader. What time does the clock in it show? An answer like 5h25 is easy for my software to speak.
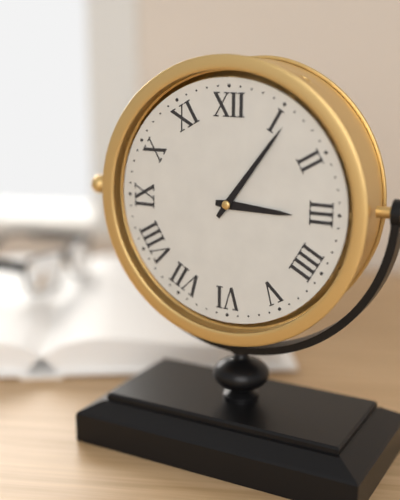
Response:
3h06
